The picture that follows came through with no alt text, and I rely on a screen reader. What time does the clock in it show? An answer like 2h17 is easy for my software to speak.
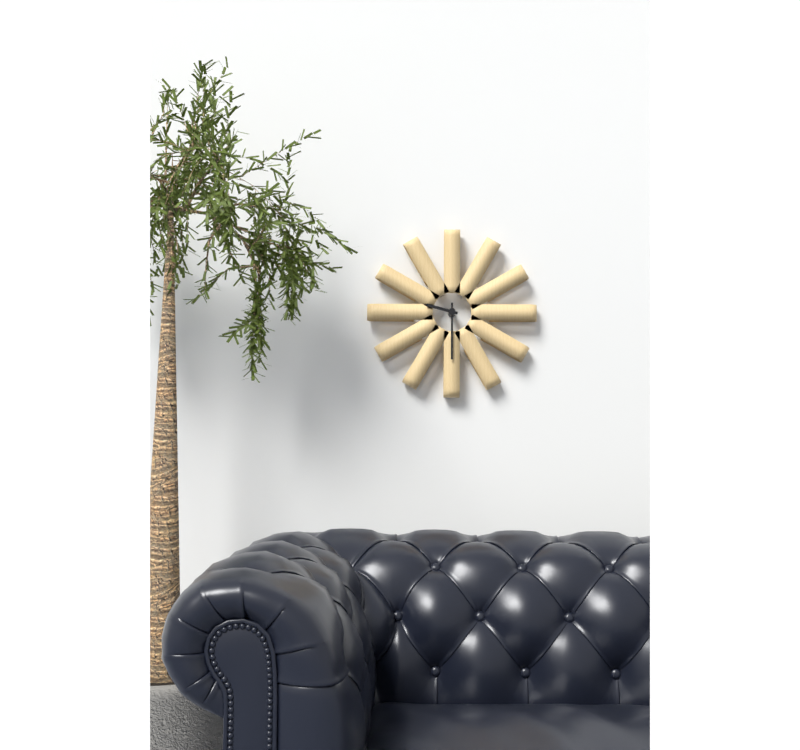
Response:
9h30
